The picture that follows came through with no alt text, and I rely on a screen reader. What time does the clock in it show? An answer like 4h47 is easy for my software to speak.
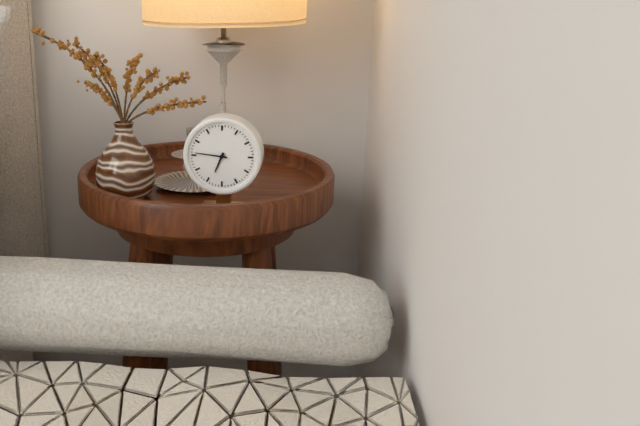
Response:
6h46
